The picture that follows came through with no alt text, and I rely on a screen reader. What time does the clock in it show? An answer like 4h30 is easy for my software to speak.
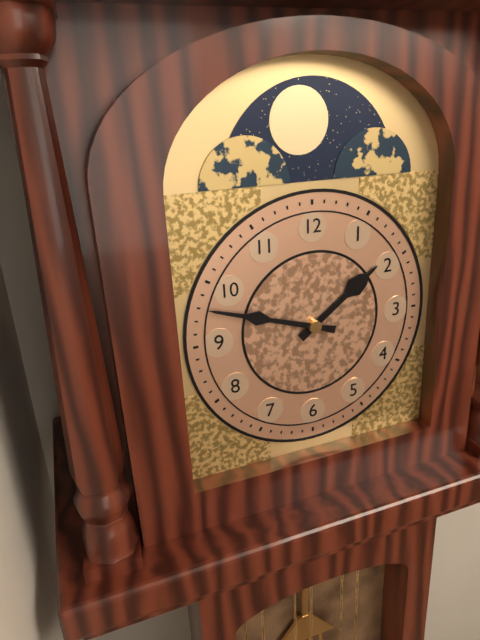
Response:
1h48
